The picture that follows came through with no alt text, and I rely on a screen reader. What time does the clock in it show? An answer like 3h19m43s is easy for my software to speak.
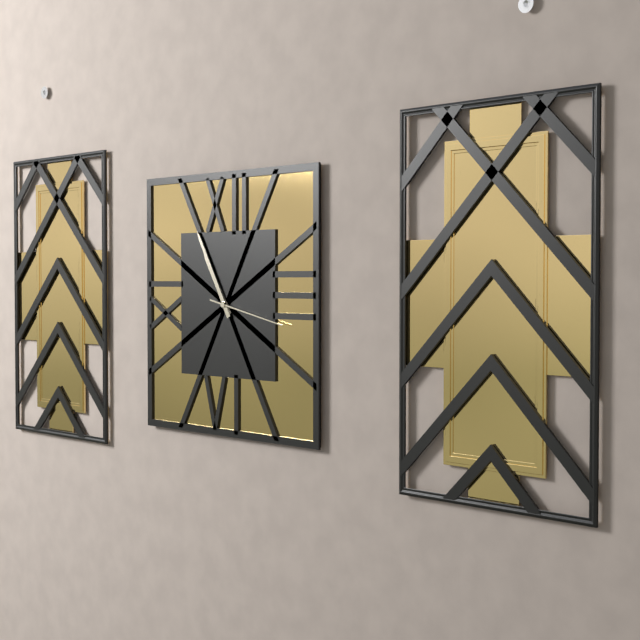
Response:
10h55m17s
